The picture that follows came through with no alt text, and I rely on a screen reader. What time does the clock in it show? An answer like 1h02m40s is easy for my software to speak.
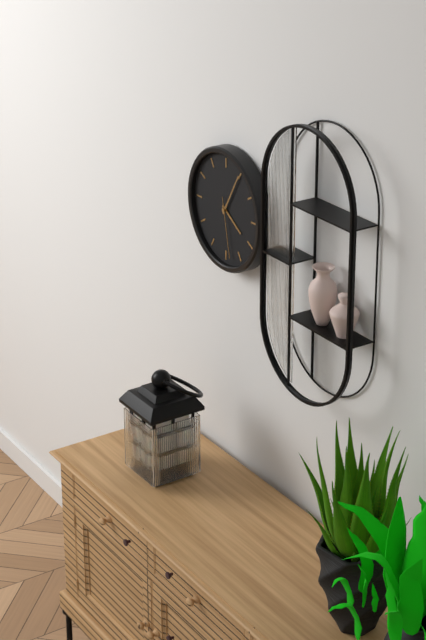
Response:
4h05m28s
